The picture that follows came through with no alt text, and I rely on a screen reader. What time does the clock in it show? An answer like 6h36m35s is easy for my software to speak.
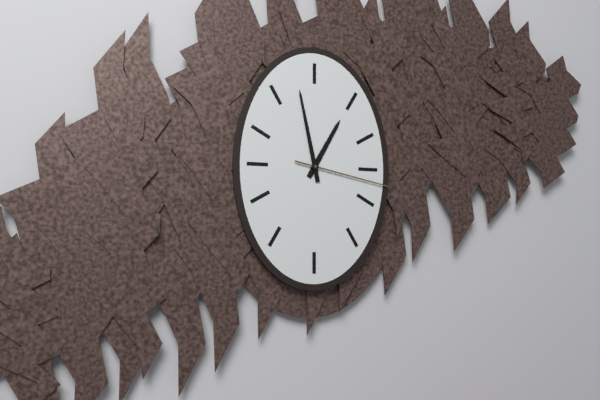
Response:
12h58m17s
